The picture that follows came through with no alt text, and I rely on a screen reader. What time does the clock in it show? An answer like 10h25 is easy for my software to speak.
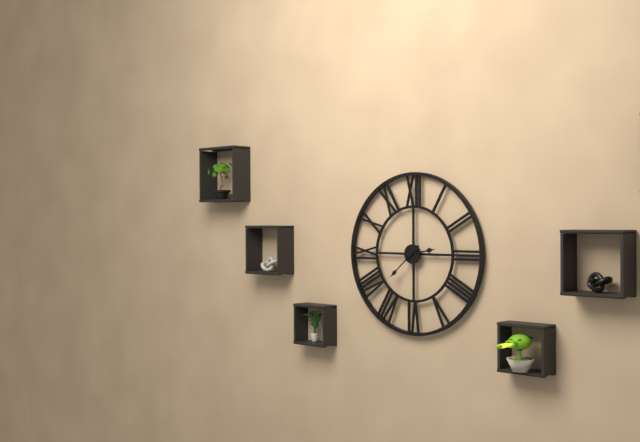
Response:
2h38
